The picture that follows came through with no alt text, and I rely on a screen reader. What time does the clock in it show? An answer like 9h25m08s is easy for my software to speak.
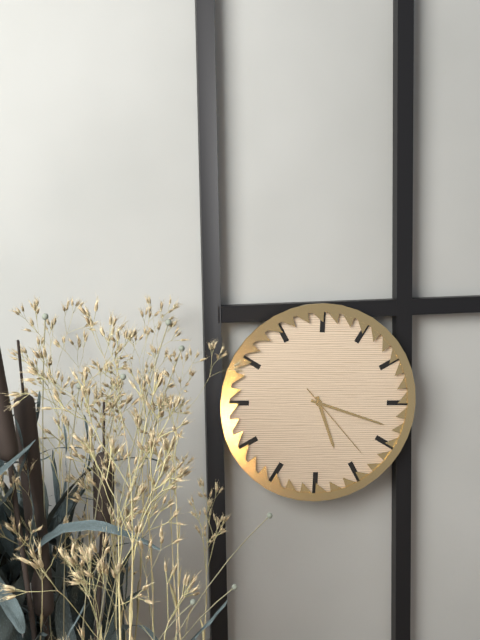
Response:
5h18m23s
